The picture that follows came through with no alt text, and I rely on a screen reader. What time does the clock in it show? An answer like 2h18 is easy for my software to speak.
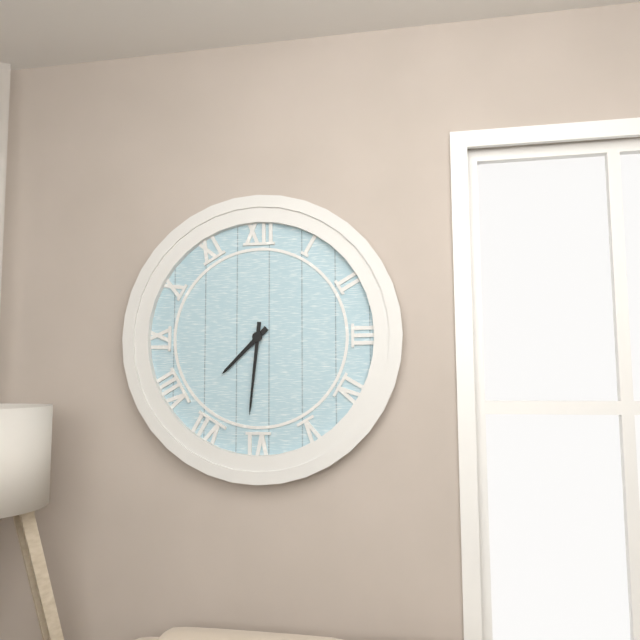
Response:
7h31
